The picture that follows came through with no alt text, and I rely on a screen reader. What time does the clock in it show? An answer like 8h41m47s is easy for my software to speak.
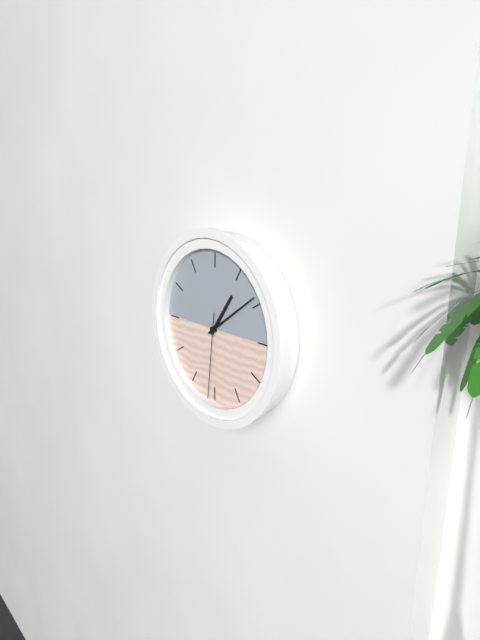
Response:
1h09m31s
